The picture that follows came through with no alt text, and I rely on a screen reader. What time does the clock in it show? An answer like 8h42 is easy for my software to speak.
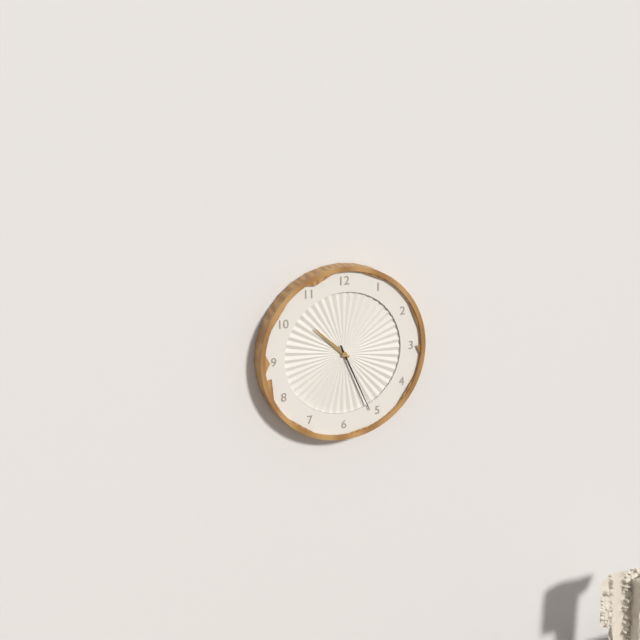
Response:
10h26
